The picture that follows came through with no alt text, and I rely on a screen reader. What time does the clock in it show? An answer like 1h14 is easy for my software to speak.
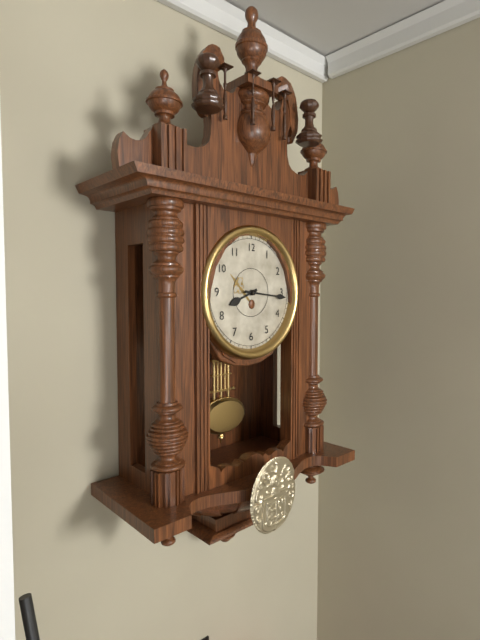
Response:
8h16
